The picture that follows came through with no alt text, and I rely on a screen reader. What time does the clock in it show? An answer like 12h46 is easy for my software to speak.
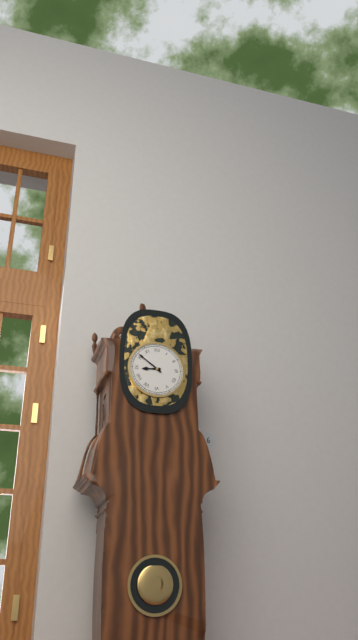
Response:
8h51
